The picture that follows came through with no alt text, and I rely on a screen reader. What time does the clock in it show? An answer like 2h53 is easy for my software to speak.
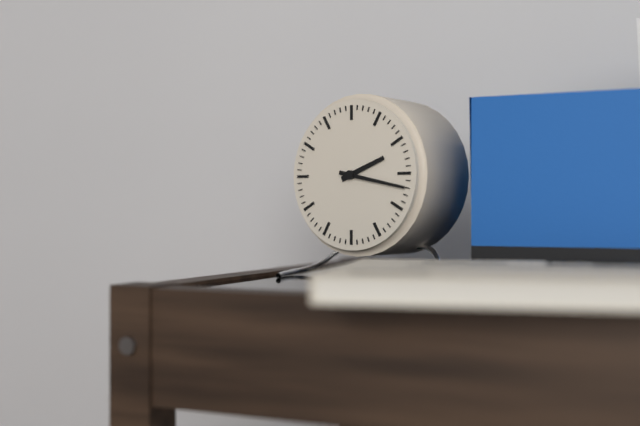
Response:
2h17
